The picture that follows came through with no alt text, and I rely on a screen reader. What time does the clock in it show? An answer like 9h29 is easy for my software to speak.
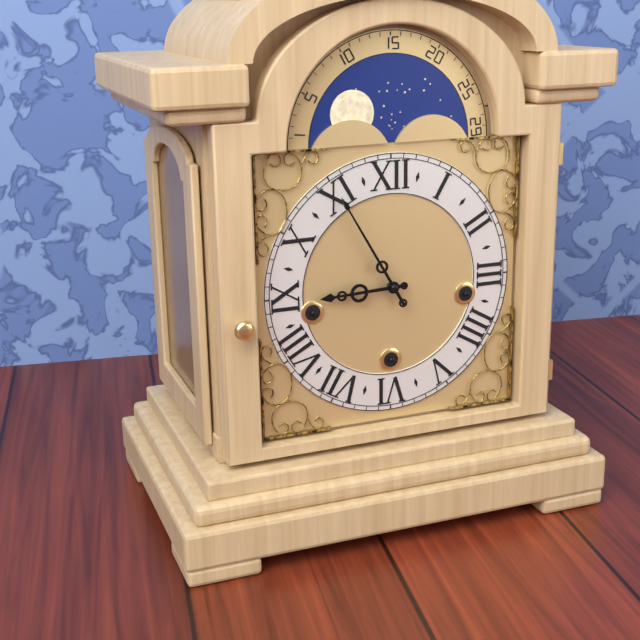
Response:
8h55
